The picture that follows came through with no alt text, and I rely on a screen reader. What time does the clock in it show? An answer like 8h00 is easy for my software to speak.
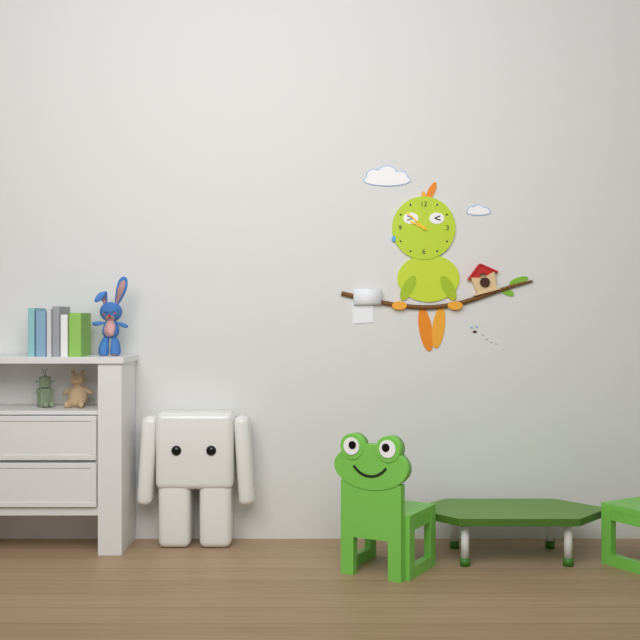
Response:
9h52
